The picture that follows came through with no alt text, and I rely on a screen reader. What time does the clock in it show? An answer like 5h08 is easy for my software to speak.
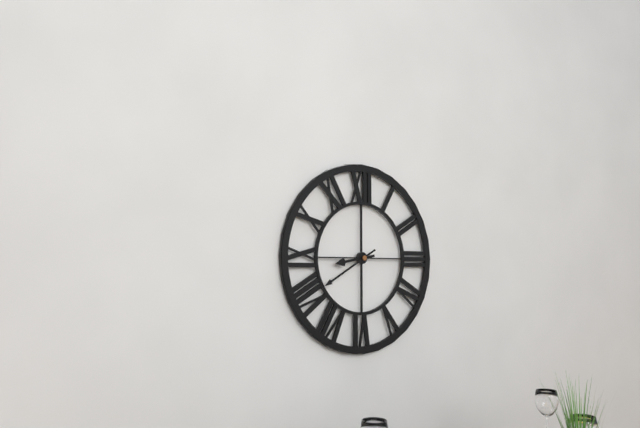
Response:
8h40
